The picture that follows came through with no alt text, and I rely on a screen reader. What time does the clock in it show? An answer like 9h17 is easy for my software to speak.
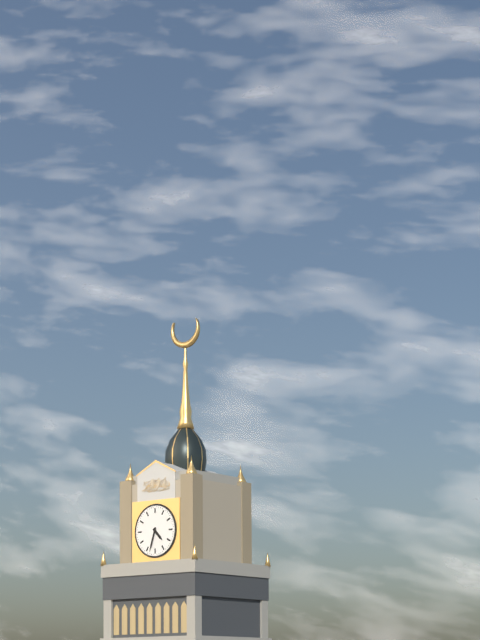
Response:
4h33
